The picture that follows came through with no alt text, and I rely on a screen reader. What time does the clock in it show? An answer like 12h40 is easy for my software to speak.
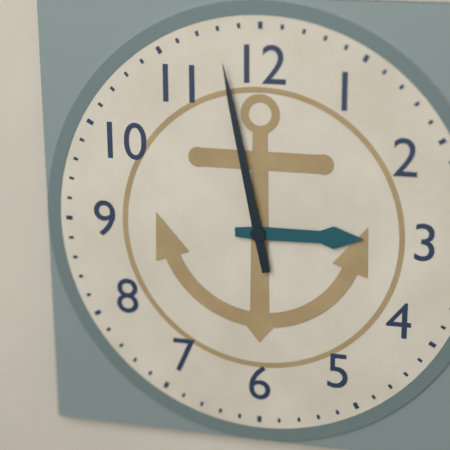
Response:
2h58
